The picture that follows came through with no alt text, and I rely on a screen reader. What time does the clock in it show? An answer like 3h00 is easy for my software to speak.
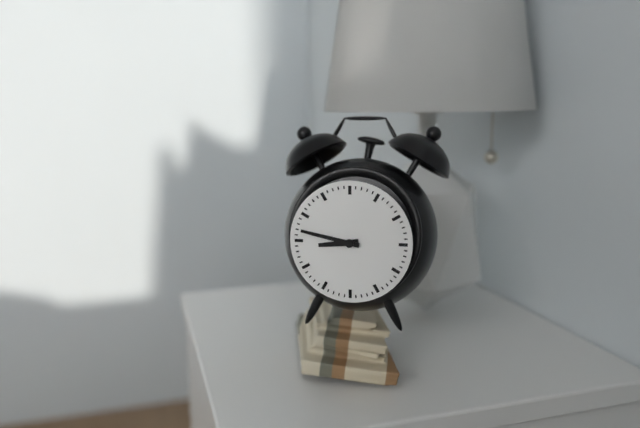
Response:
8h47
